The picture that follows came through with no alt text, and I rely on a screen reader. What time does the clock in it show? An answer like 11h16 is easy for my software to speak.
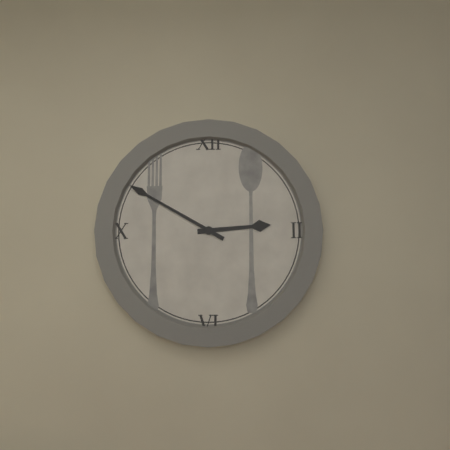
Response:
2h50
